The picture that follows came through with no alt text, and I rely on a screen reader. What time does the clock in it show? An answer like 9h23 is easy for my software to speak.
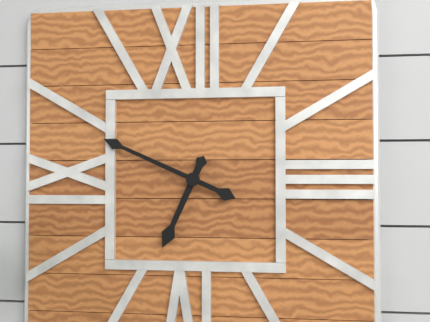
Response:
6h49
